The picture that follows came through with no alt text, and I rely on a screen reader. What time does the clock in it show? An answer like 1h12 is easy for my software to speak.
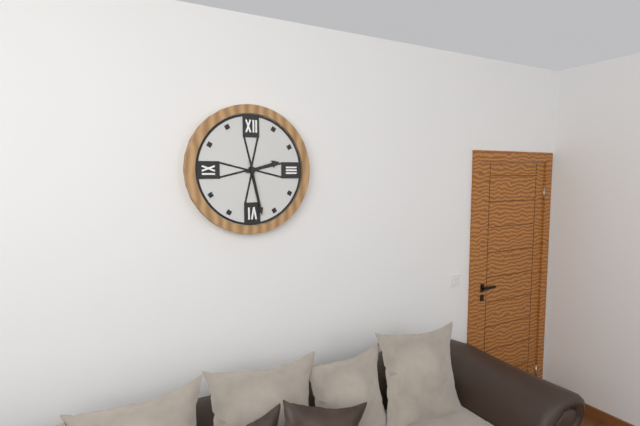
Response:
2h28
